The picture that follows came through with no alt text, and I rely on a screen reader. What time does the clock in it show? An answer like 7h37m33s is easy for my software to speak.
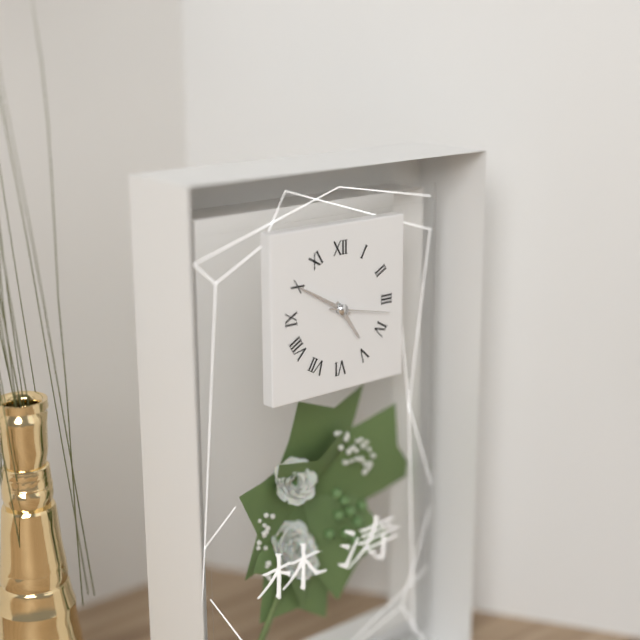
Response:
4h50m17s
